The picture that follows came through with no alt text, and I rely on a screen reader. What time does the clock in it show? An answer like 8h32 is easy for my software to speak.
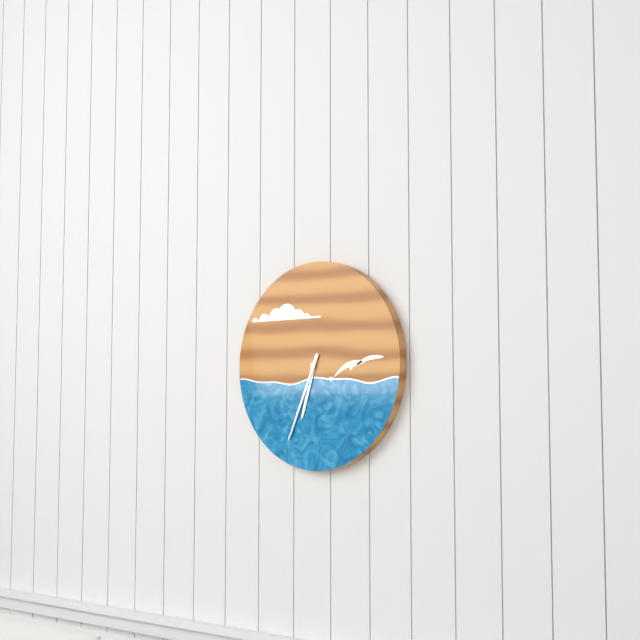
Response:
6h34
